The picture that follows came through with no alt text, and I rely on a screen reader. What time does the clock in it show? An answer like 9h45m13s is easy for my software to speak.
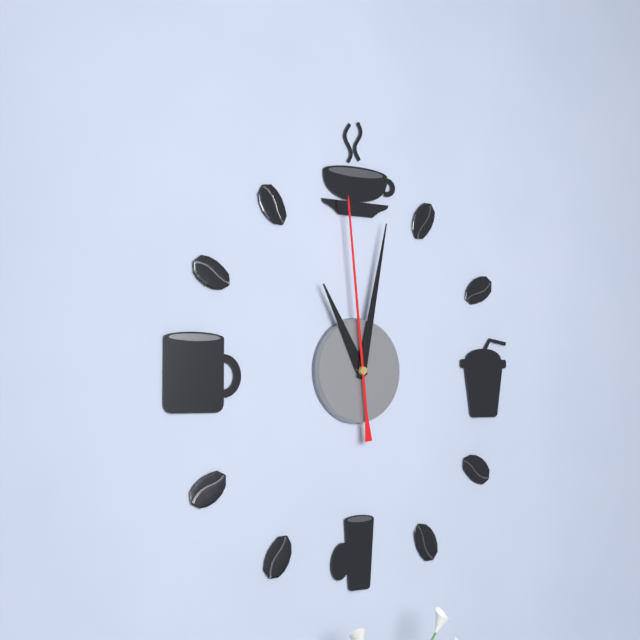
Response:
11h02m59s
